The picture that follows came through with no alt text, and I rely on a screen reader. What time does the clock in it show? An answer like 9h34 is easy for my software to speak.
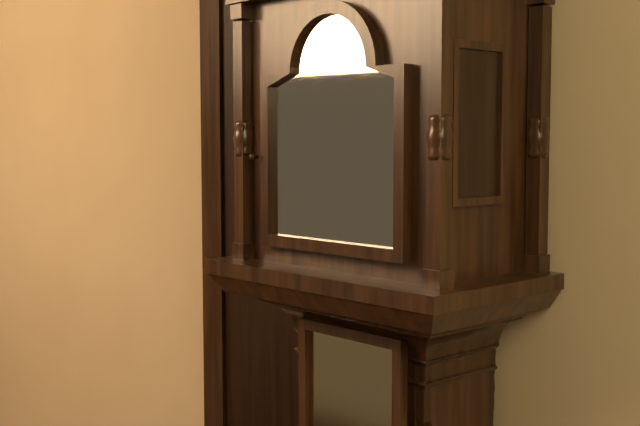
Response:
6h08
